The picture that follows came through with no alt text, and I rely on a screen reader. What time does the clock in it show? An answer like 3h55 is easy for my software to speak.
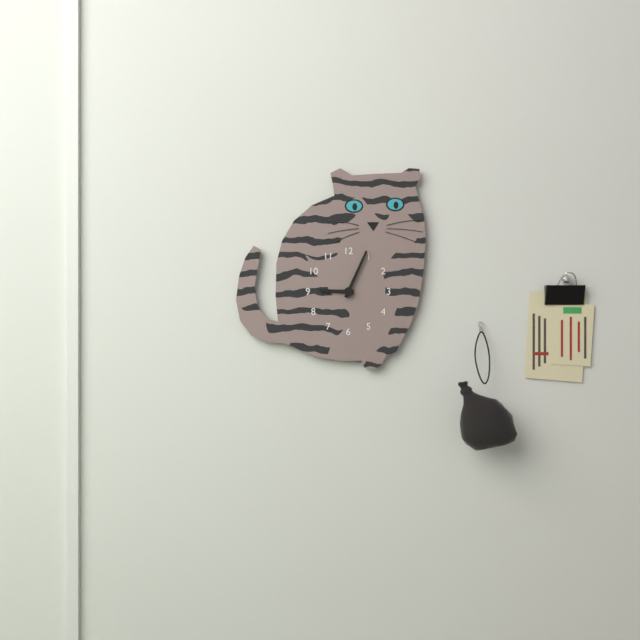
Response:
9h04
